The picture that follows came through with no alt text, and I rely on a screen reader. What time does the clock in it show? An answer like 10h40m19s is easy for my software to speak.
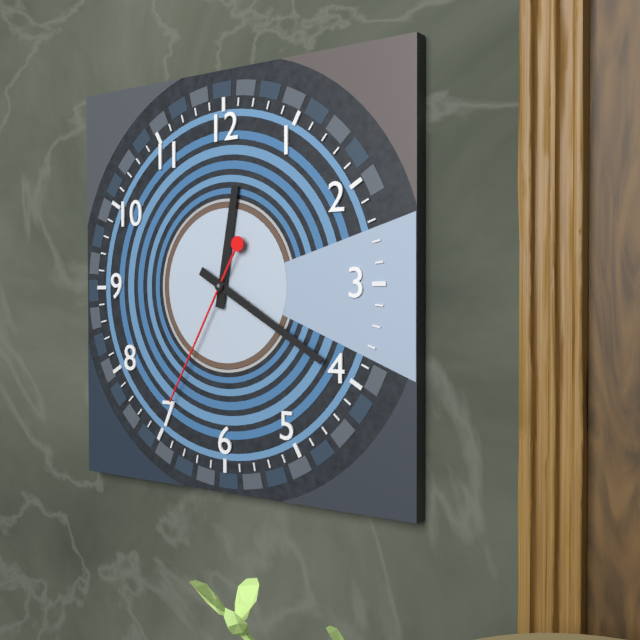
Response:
12h20m35s
